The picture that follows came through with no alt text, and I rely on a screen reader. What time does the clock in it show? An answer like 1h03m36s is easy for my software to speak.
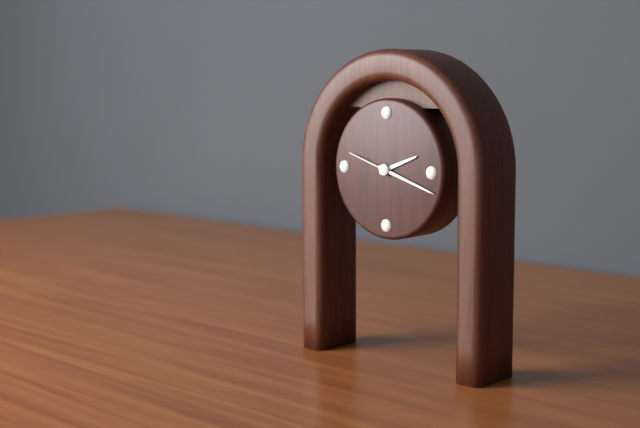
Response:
2h18m48s
